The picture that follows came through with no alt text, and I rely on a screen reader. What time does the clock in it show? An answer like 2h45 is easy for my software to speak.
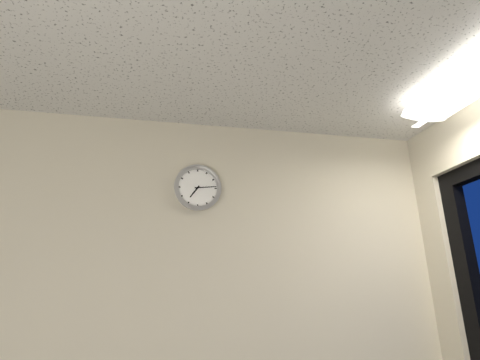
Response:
7h14
